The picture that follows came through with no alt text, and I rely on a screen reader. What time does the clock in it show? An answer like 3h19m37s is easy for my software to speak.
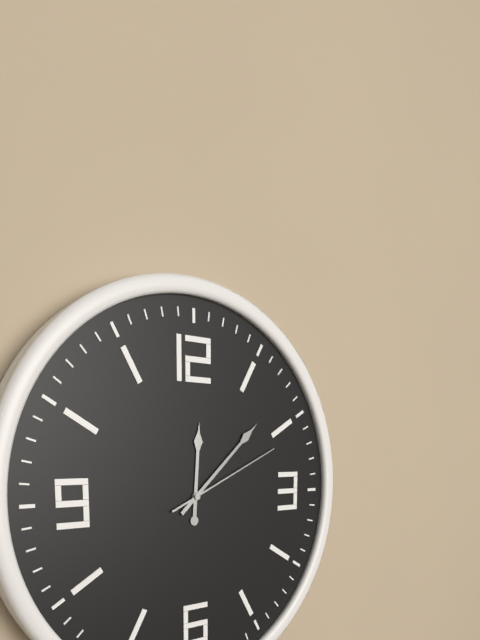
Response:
12h08m11s
